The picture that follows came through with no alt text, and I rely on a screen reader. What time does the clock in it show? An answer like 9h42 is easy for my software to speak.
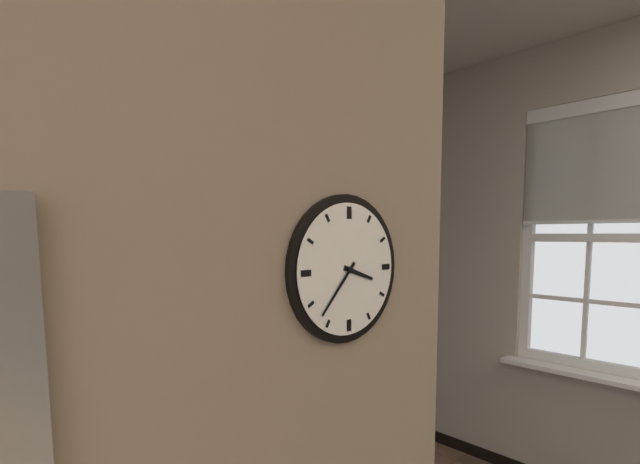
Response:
3h37
